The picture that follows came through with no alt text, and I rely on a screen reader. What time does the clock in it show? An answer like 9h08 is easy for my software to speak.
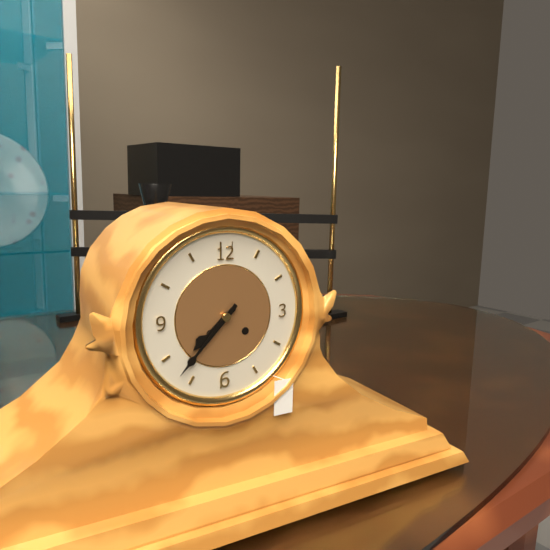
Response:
7h37
